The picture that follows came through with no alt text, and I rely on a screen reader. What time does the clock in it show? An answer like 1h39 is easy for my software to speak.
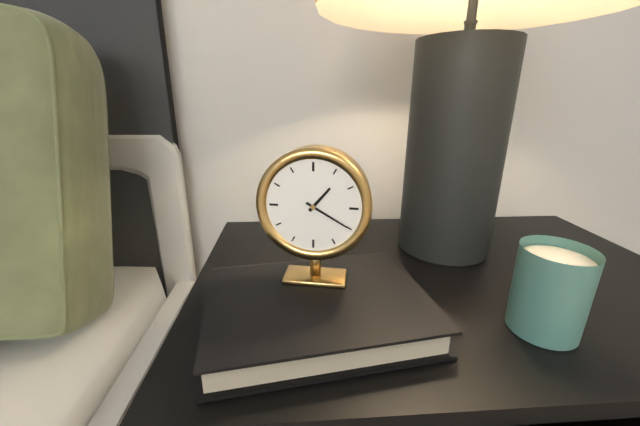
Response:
1h20
